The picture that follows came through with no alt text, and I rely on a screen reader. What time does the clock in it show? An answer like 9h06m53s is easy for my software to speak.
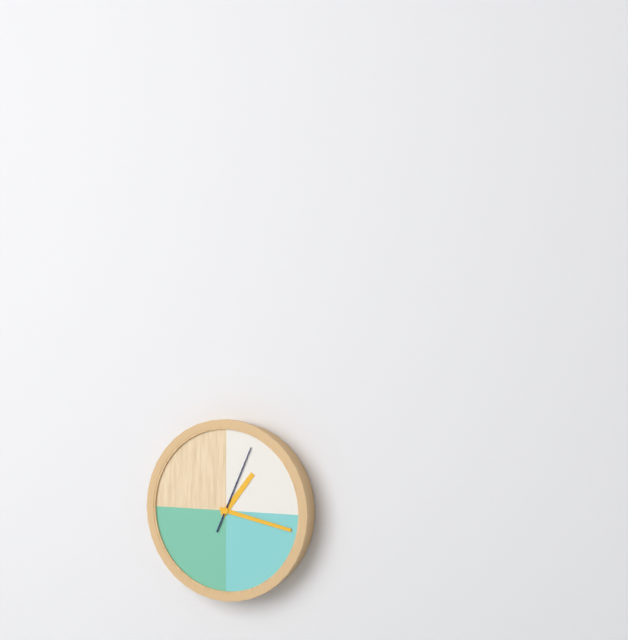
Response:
1h17m04s
